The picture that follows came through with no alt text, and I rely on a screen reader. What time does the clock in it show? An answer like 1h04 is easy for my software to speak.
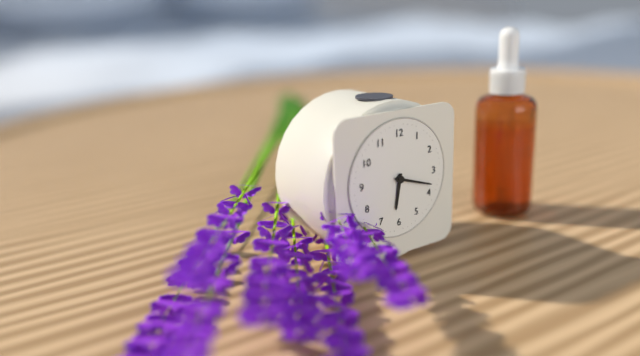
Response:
6h18
